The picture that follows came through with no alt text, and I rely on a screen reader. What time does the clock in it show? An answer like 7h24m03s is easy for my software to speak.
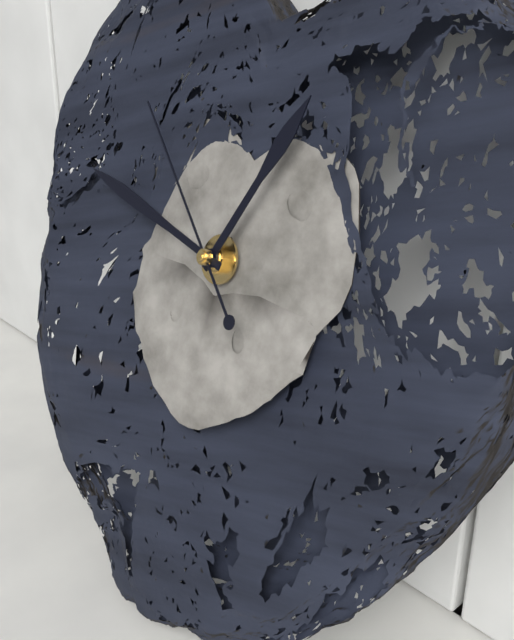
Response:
12h47m52s
